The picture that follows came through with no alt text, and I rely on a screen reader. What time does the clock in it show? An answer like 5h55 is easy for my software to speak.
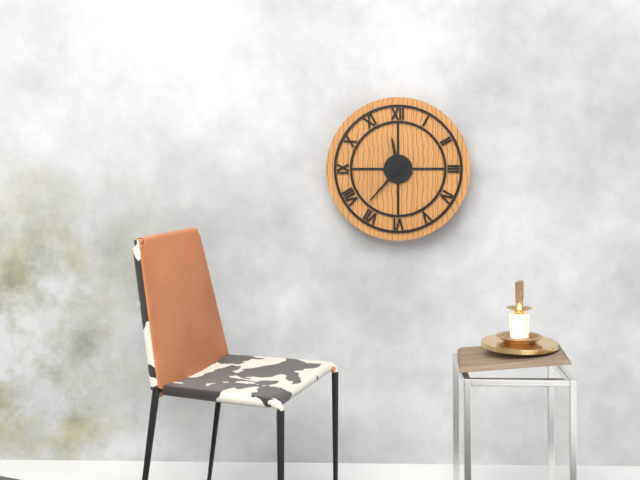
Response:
11h37
